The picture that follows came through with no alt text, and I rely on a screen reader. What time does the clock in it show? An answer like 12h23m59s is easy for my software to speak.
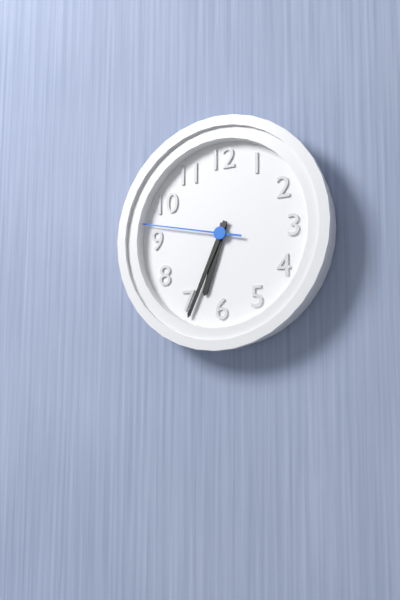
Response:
6h34m47s
